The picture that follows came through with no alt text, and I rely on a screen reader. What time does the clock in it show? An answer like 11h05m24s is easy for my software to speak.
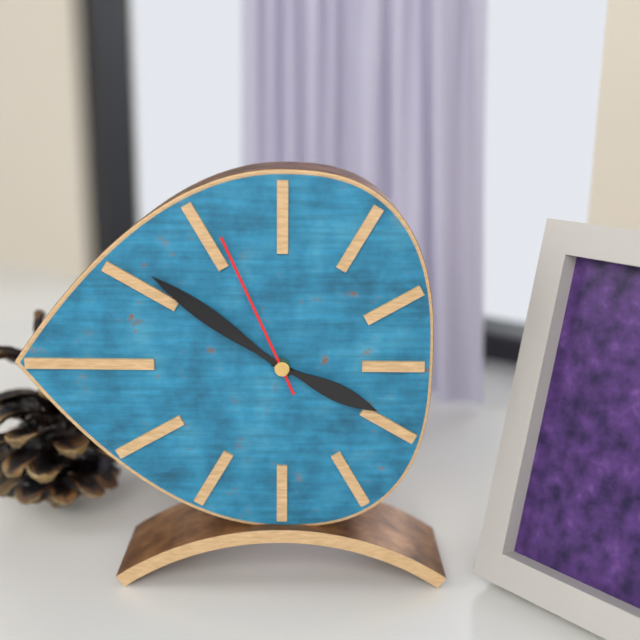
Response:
3h51m56s
